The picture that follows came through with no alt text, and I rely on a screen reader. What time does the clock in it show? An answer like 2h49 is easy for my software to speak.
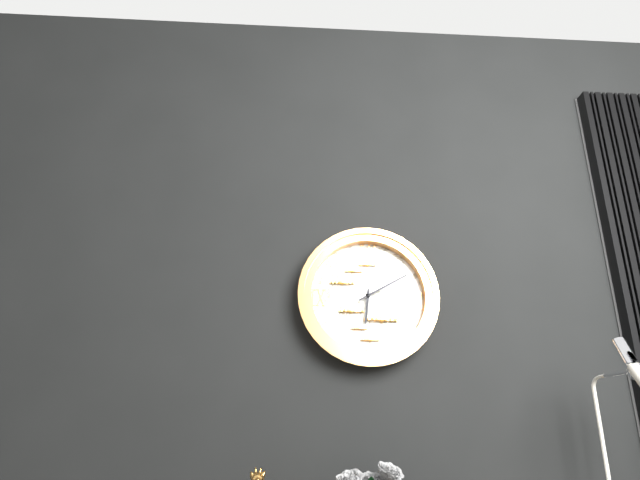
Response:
6h10
